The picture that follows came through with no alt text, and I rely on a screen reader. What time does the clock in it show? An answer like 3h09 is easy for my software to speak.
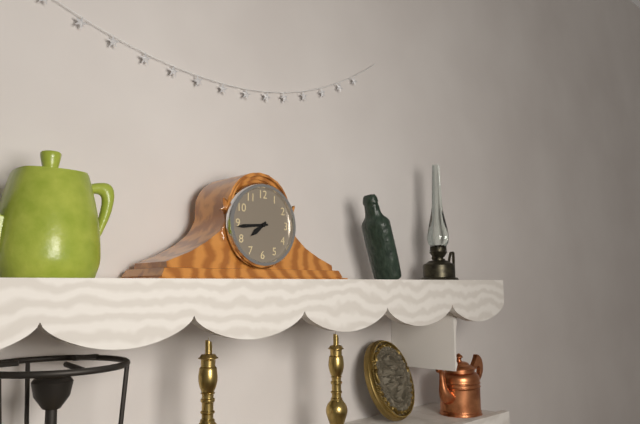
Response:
7h44
